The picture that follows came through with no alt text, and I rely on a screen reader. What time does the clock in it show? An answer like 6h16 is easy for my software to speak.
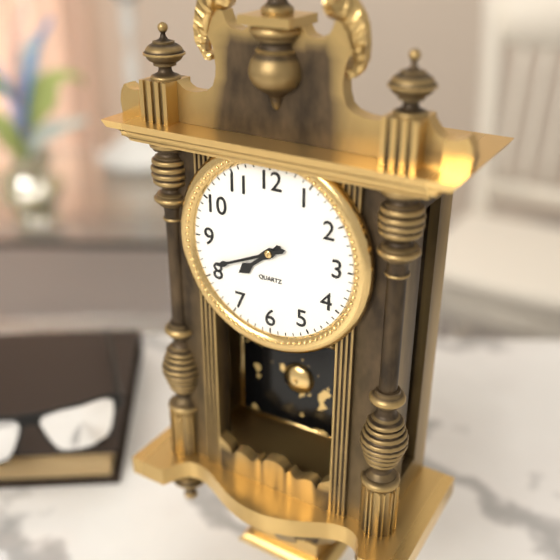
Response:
7h41
